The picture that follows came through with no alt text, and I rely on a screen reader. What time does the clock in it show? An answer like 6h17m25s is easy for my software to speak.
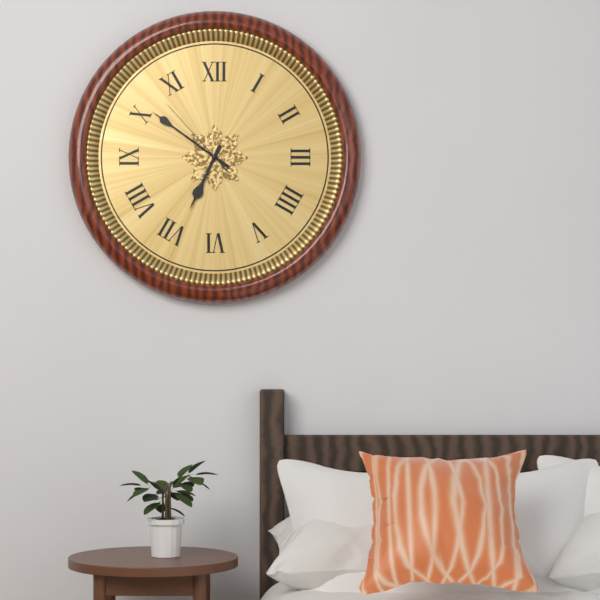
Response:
6h51m53s
